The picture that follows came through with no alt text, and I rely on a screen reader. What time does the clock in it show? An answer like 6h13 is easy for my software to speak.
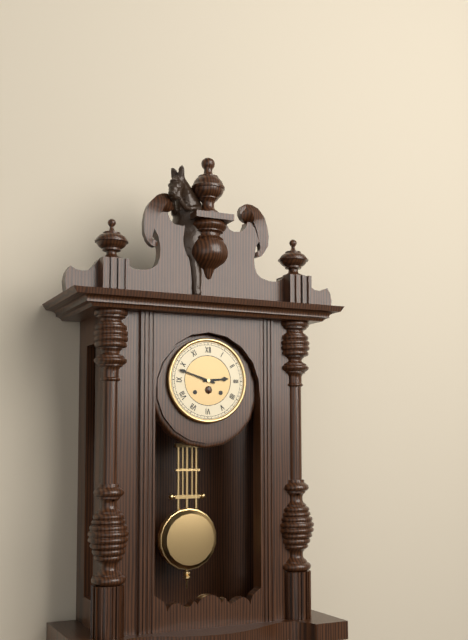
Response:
2h48
